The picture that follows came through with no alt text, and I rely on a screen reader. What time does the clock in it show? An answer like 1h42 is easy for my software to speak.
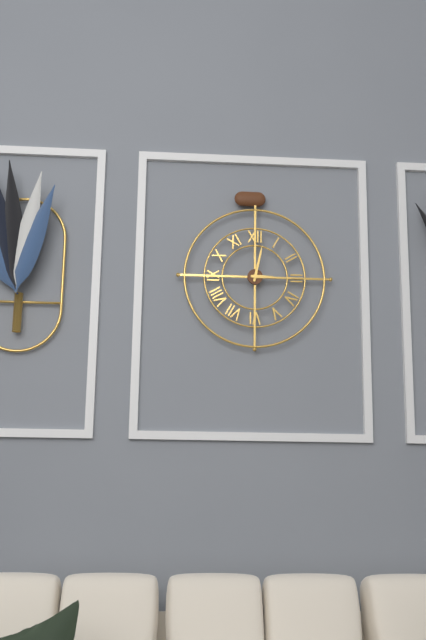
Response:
3h02
